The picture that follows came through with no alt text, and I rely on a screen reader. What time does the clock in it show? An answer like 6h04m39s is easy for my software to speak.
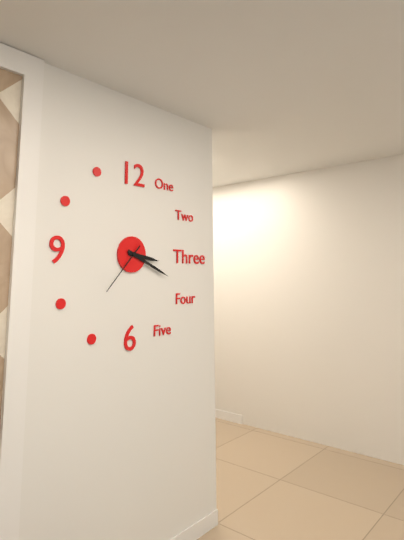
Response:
3h19m37s
